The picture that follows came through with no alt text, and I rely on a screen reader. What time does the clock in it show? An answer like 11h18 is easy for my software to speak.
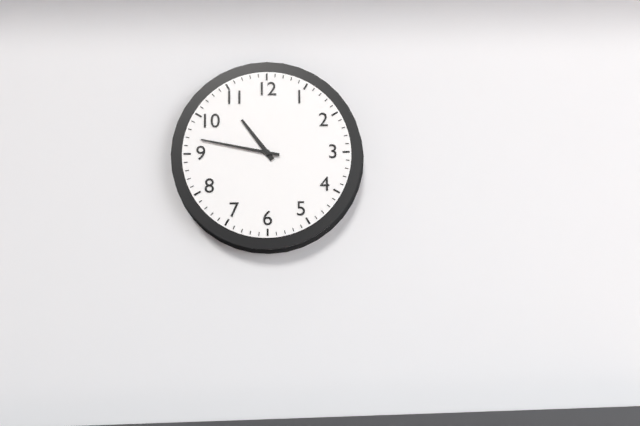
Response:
10h47
